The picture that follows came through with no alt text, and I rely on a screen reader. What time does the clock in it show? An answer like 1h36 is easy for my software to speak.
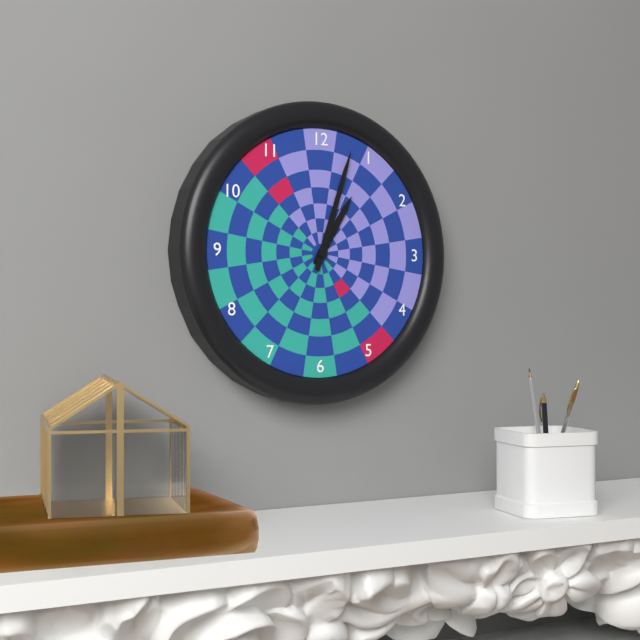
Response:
1h03
